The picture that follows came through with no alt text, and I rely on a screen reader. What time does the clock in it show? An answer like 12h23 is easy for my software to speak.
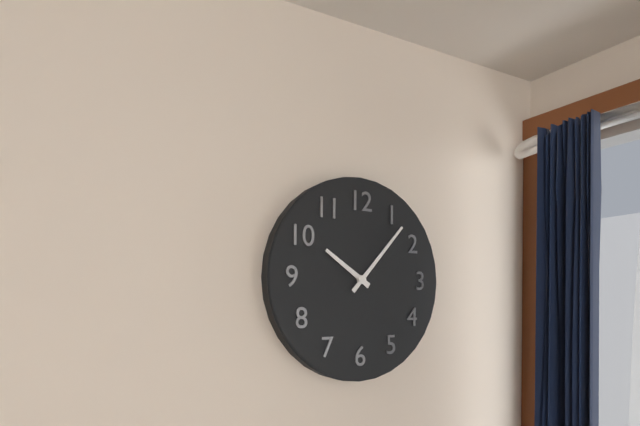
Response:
10h07
